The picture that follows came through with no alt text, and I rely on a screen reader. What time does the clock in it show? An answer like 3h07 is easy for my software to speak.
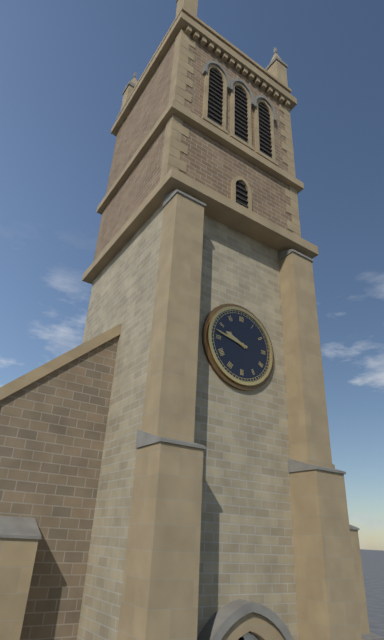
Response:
9h47
